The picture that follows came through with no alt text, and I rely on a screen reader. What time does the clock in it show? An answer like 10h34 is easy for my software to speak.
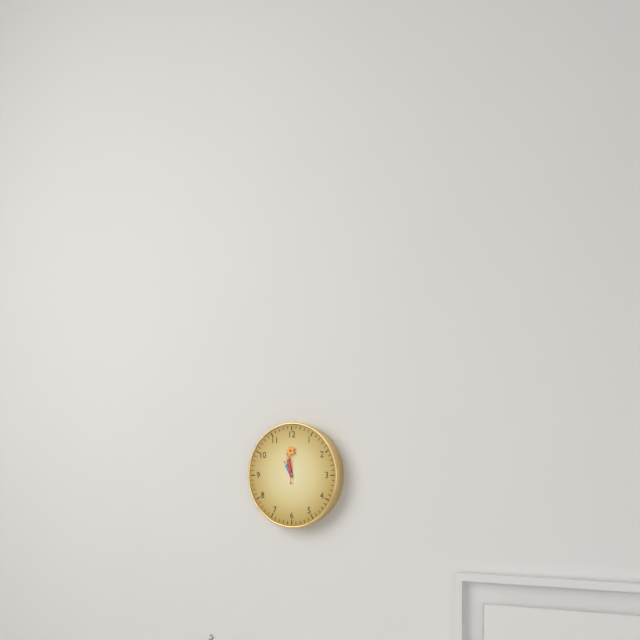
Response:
10h58
